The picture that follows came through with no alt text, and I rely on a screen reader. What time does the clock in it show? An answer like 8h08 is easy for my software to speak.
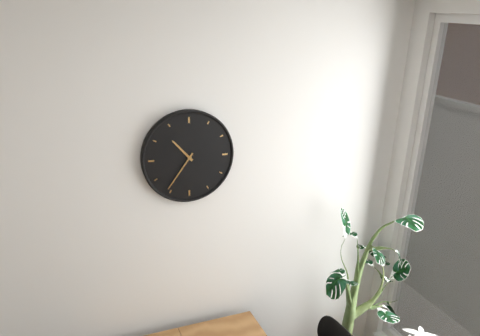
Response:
10h36
